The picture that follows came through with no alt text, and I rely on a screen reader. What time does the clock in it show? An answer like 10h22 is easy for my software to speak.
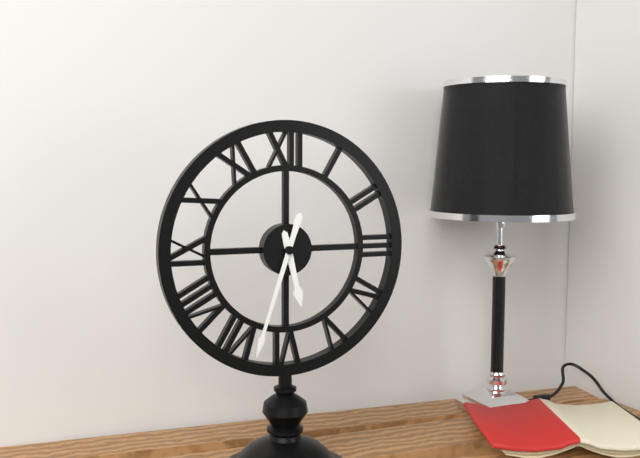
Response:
5h33
